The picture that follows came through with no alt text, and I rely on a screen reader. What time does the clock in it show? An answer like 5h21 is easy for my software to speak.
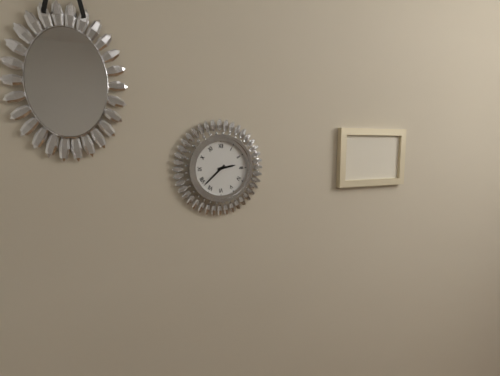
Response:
2h38
